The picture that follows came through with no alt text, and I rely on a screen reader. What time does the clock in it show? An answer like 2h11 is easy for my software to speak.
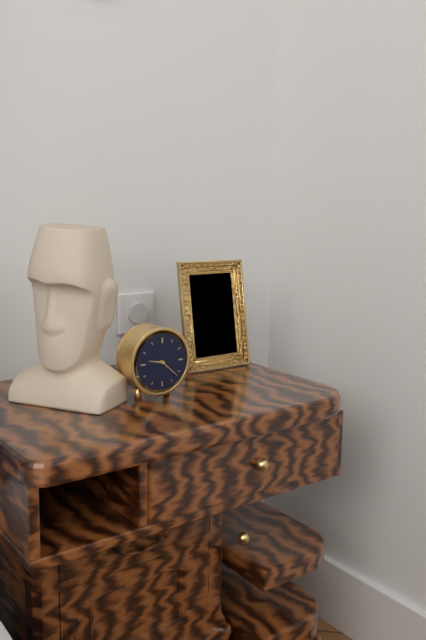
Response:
9h22
